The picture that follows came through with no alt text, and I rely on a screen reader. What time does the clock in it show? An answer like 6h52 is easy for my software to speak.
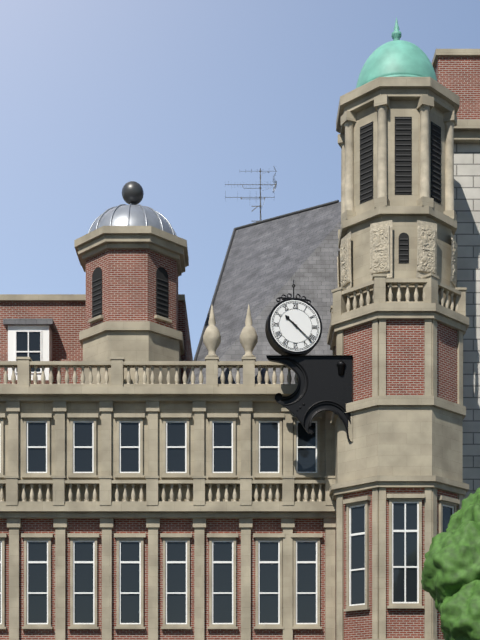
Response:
10h22
